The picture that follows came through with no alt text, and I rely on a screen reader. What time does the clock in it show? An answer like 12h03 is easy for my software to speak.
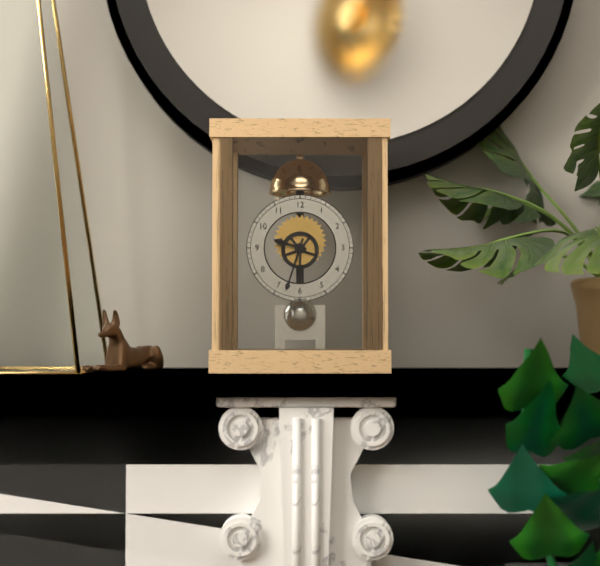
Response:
9h33
